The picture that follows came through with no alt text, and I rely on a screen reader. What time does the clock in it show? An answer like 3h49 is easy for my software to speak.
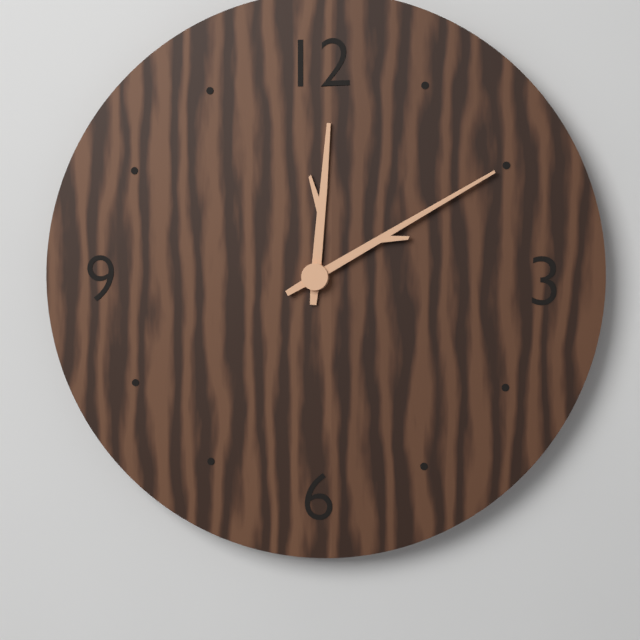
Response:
12h10
